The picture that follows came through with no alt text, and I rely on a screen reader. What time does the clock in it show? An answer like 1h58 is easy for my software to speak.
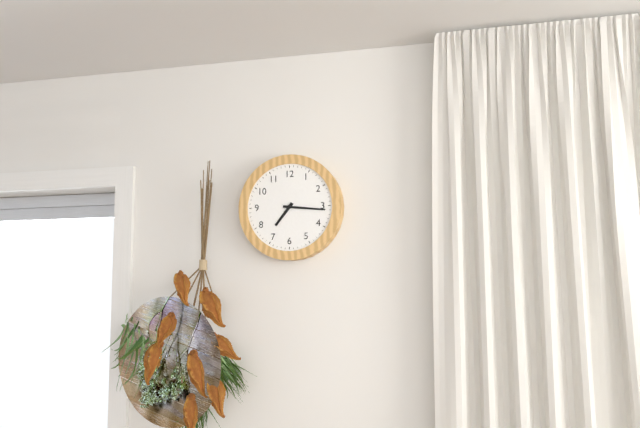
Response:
7h16
